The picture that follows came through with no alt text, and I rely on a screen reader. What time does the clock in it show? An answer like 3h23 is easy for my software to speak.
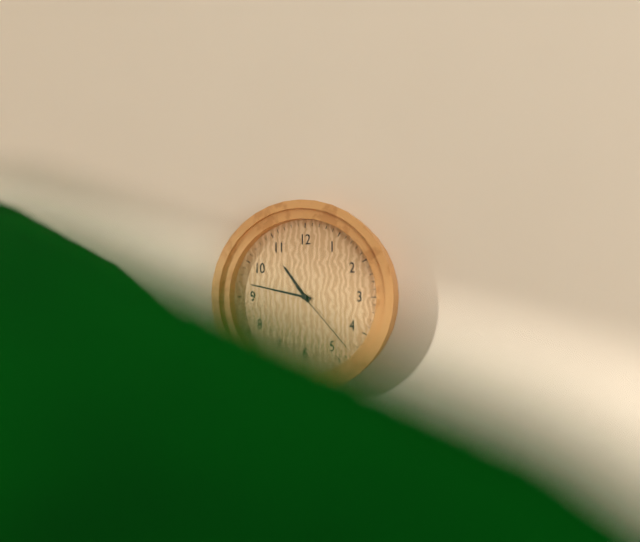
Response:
10h47
